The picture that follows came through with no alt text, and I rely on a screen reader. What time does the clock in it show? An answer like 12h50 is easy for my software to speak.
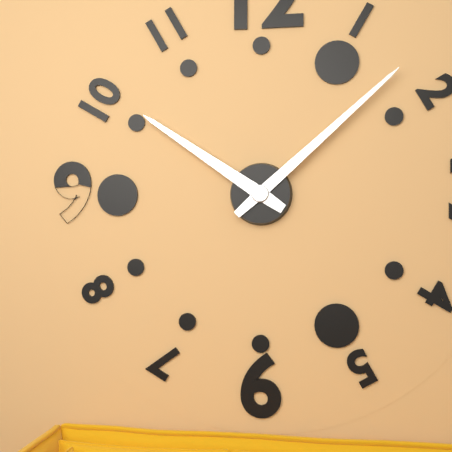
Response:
10h08
